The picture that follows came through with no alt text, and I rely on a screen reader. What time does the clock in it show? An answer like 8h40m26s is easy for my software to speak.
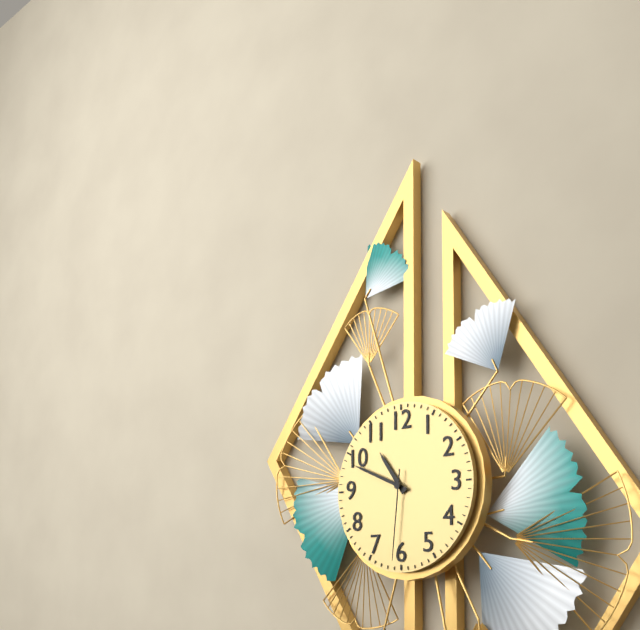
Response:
10h49m31s
